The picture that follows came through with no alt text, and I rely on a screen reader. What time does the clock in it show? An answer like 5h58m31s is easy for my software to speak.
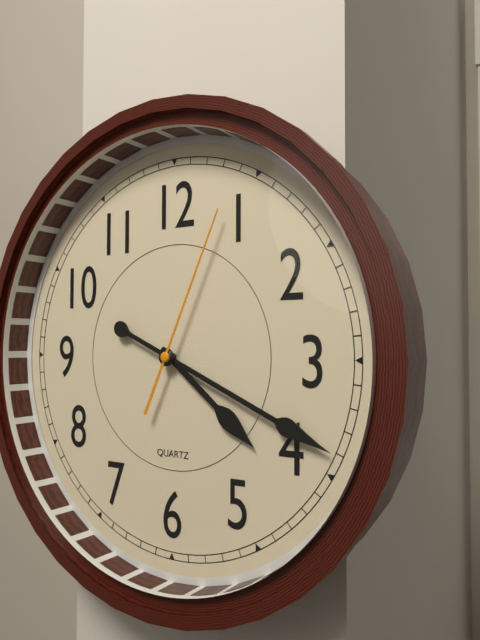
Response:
4h19m04s
